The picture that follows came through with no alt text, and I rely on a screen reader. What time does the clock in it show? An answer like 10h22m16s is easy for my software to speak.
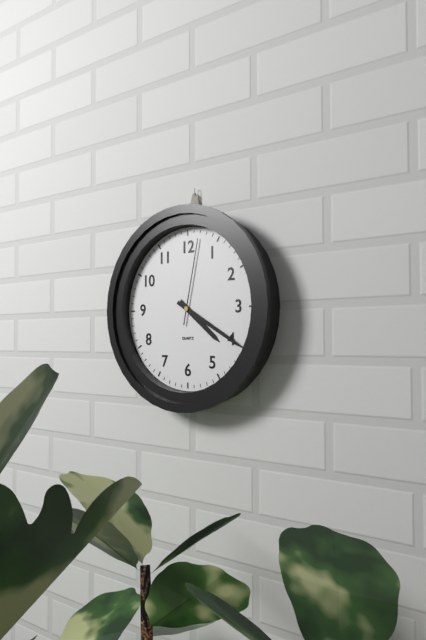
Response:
4h20m02s
